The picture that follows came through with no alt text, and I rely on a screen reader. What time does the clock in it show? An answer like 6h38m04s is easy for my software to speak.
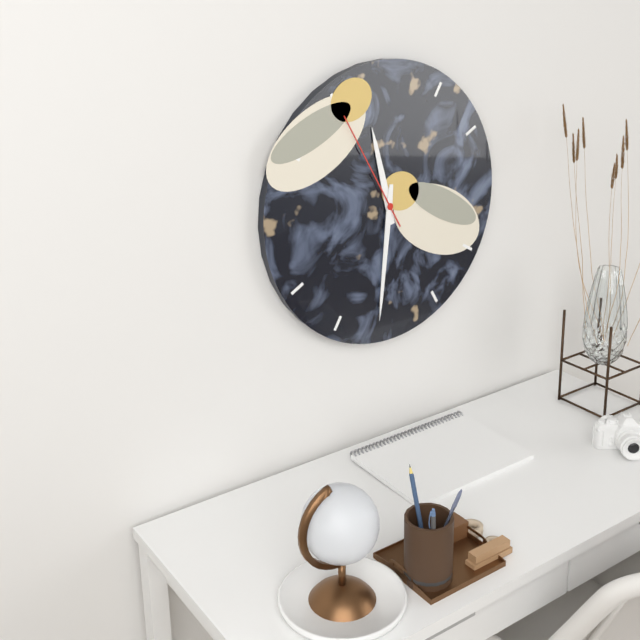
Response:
11h31m55s
